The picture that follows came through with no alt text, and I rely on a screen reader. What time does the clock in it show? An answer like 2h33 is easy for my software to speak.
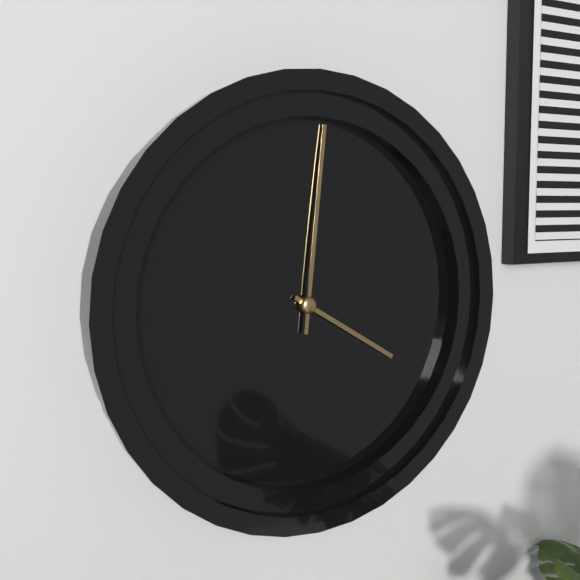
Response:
4h01
